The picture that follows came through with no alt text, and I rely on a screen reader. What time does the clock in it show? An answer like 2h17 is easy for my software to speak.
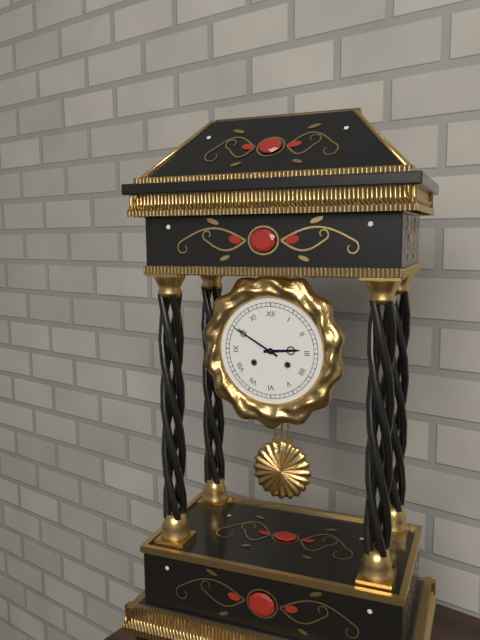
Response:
2h50
